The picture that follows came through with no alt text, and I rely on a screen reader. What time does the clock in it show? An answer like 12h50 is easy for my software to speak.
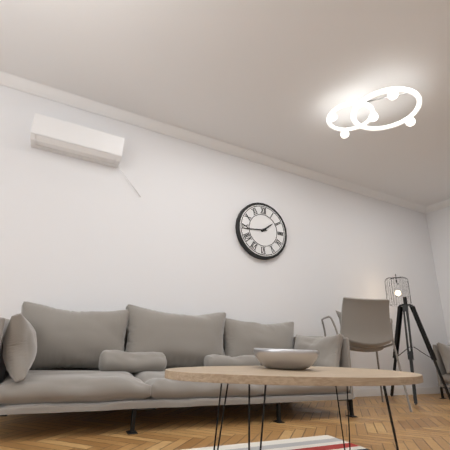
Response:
1h44
